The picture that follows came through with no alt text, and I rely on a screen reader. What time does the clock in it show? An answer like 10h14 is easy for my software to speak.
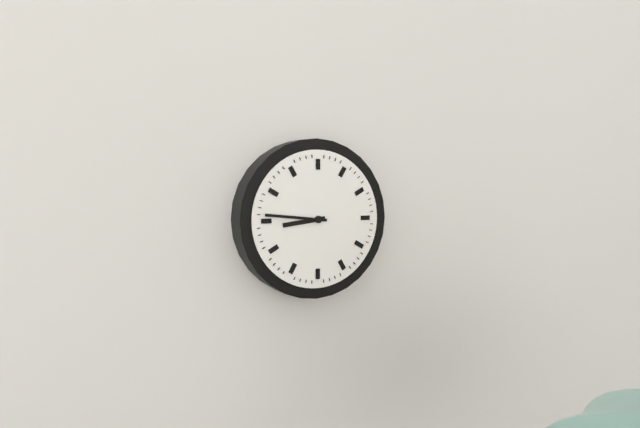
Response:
8h46
